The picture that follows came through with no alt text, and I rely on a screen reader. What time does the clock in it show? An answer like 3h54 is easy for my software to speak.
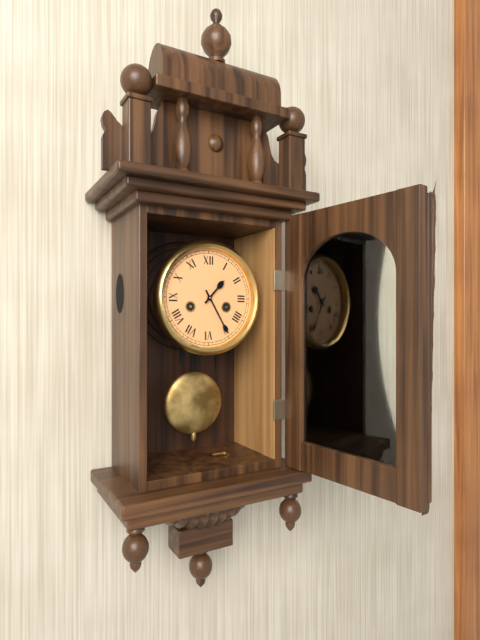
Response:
1h25
